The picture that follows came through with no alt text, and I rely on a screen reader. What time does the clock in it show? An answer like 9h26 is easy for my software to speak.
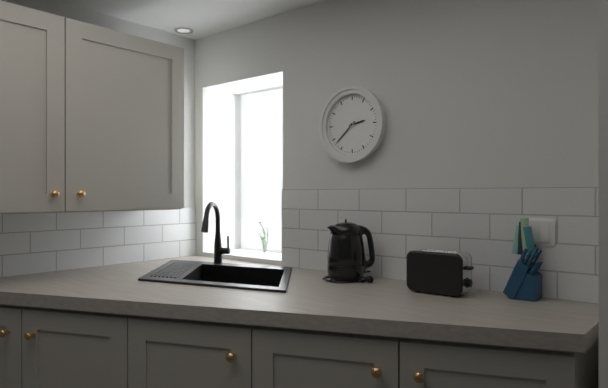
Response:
2h38
